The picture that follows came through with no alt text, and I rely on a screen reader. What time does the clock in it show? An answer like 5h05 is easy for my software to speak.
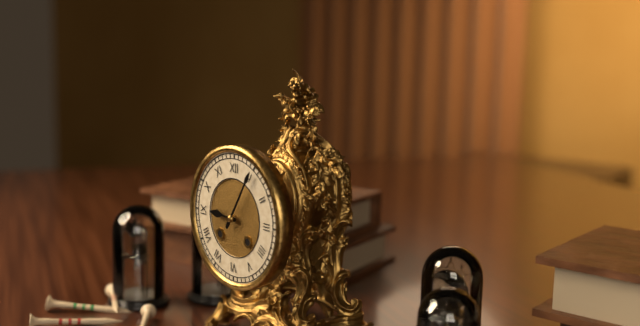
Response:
9h05
